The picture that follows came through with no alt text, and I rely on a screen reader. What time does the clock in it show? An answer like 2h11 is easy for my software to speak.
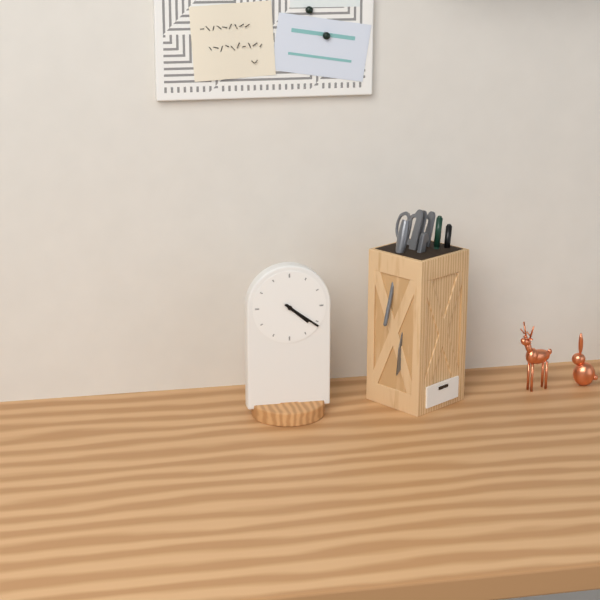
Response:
4h21
